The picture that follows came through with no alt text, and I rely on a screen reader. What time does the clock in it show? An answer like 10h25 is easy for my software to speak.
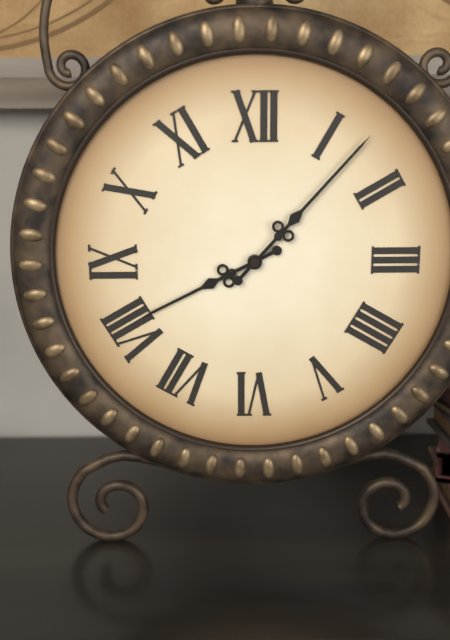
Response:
8h07
